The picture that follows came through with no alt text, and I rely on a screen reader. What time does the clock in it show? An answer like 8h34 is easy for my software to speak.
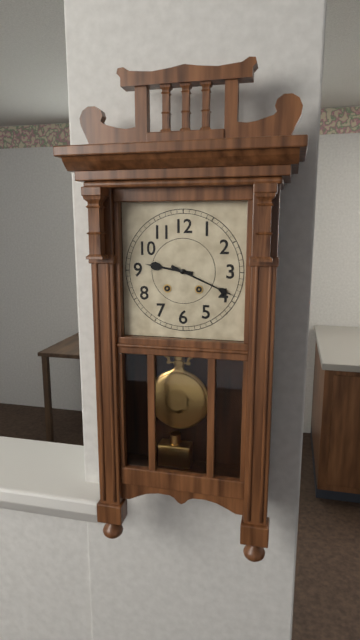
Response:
9h19
